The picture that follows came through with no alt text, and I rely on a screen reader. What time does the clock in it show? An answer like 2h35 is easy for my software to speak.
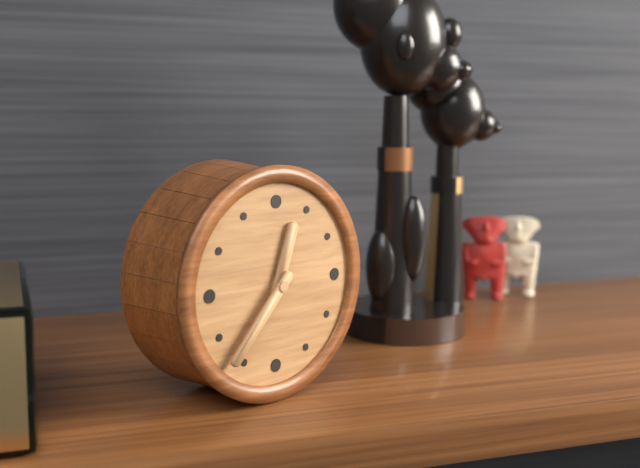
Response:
12h37
